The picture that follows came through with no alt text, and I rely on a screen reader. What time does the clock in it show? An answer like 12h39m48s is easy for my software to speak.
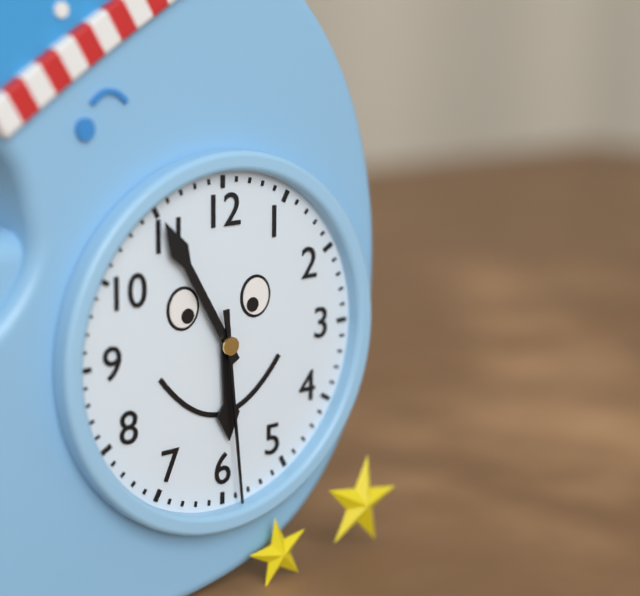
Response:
5h55m29s
